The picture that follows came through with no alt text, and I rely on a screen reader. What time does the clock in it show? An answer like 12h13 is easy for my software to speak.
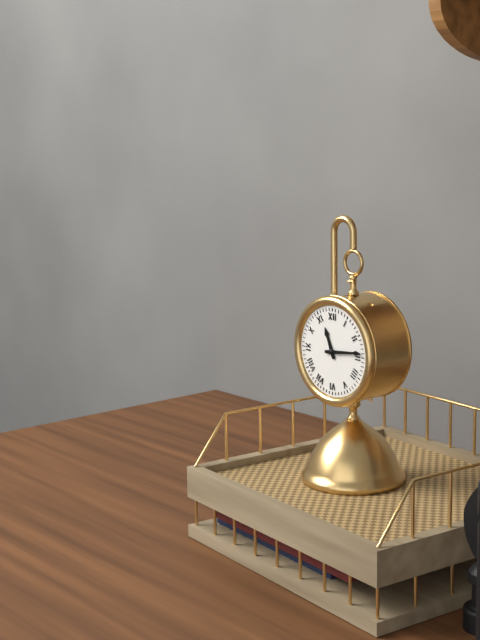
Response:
11h14
